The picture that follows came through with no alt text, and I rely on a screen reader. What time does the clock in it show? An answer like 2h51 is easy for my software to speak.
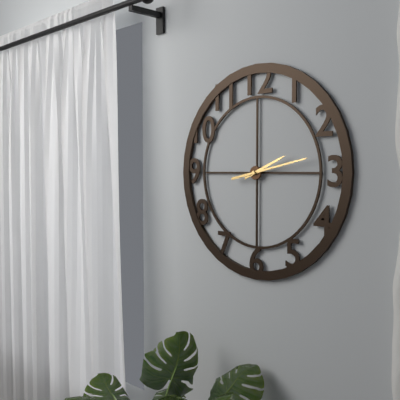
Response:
2h13
